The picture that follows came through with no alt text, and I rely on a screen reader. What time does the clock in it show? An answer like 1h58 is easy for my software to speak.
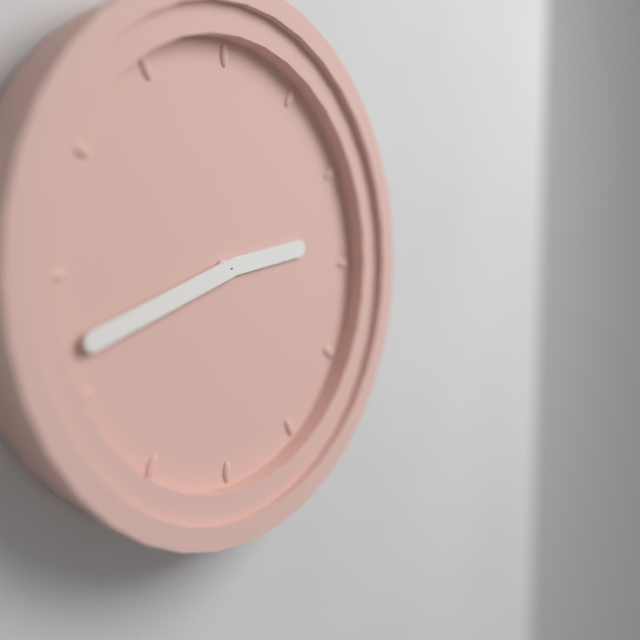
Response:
2h42
